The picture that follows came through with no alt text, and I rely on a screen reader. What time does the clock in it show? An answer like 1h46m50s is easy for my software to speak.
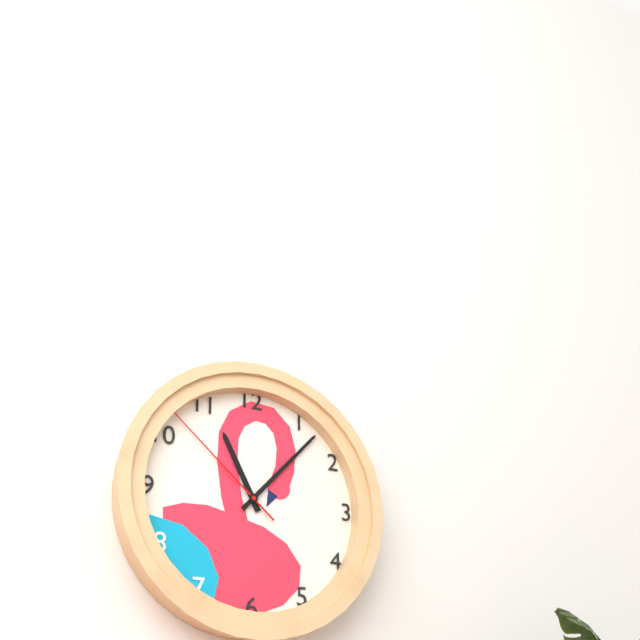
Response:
11h07m52s
